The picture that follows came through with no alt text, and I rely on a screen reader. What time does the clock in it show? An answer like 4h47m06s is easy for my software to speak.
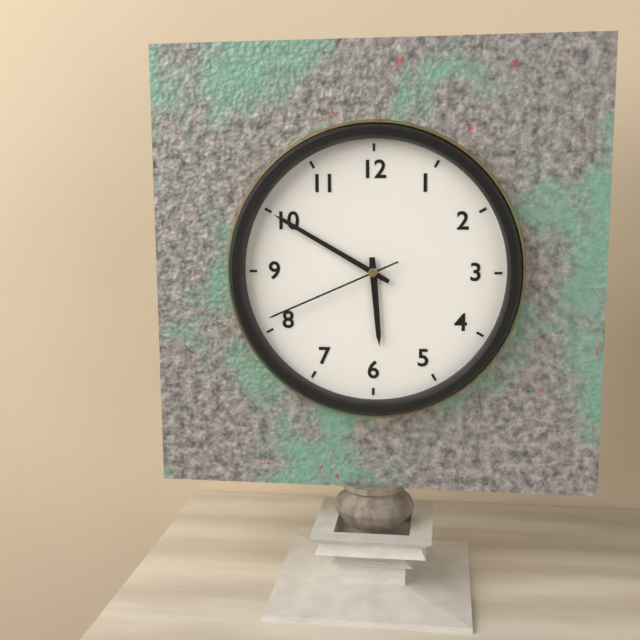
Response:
5h50m41s
